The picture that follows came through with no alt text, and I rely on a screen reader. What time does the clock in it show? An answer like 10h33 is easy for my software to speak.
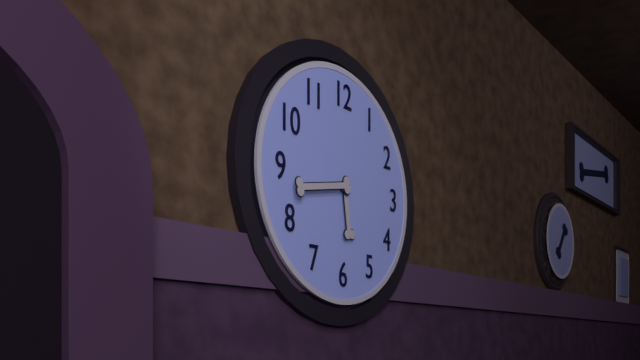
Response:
5h43
